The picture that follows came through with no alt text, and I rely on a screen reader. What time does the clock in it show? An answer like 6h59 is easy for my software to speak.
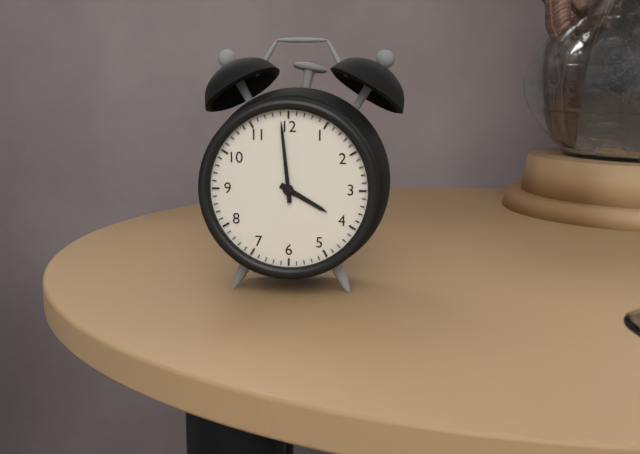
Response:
3h59
